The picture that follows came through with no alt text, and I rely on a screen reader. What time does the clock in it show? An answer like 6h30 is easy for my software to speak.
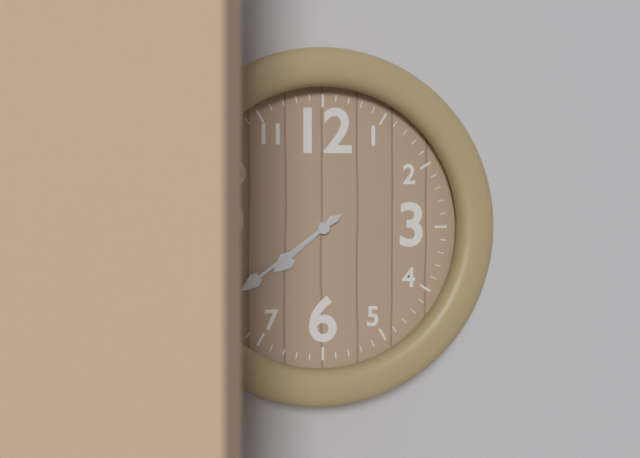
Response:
7h39
